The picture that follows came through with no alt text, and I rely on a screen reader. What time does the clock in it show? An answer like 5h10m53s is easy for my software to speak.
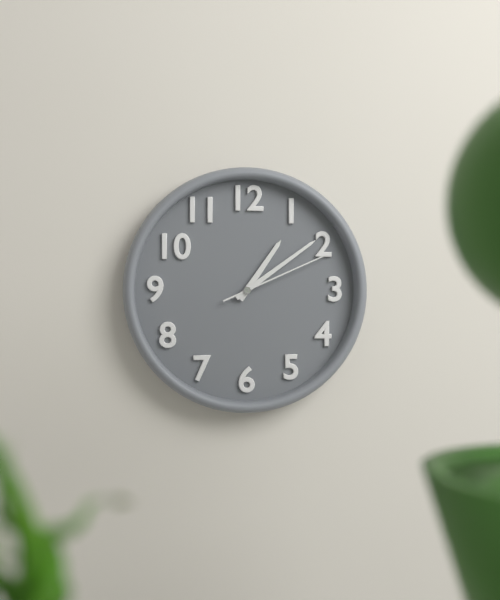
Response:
1h09m11s
